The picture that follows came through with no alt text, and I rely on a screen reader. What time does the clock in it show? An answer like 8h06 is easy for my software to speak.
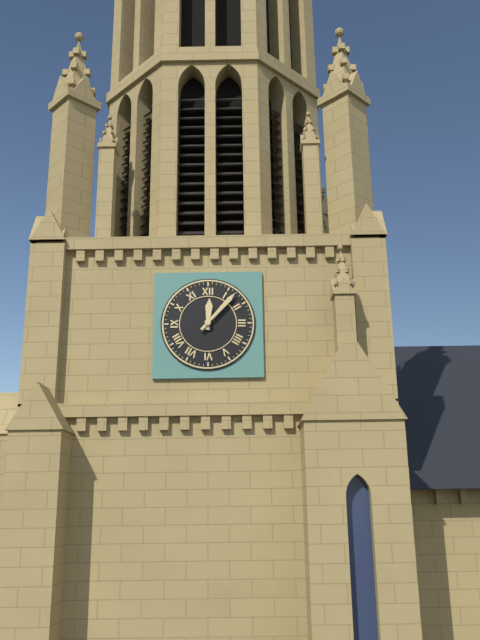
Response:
12h07
